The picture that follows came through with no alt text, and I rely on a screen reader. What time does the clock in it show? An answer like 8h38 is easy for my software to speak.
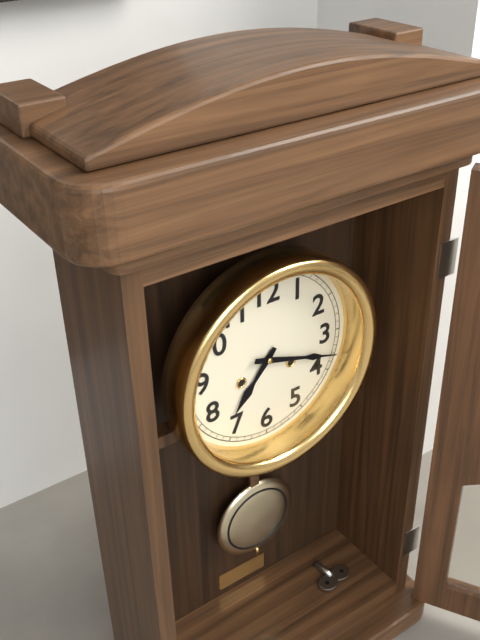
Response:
7h18
